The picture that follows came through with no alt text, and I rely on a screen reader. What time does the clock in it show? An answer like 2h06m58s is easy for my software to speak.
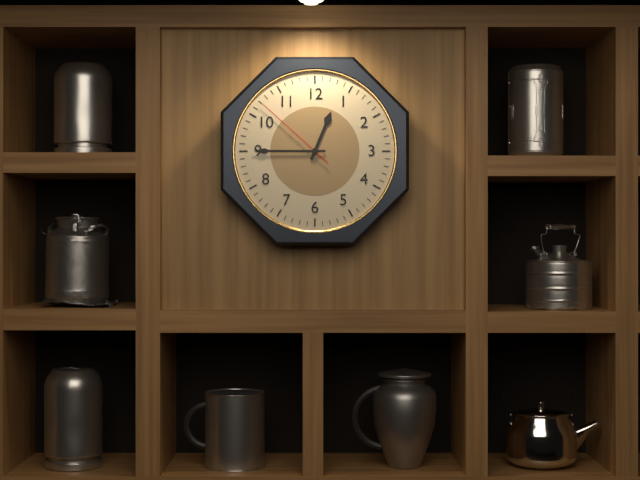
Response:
12h45m52s
